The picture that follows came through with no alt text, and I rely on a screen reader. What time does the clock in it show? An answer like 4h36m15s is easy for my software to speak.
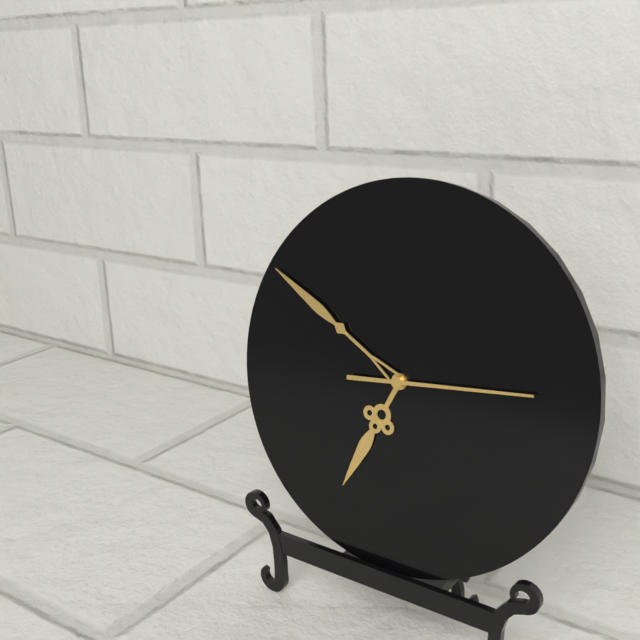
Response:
6h50m14s
